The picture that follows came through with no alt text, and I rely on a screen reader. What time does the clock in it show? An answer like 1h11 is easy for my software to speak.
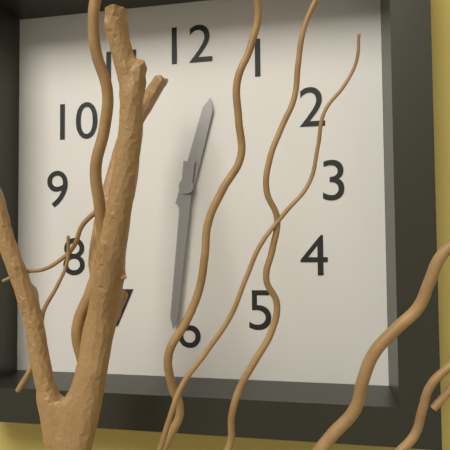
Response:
12h31
